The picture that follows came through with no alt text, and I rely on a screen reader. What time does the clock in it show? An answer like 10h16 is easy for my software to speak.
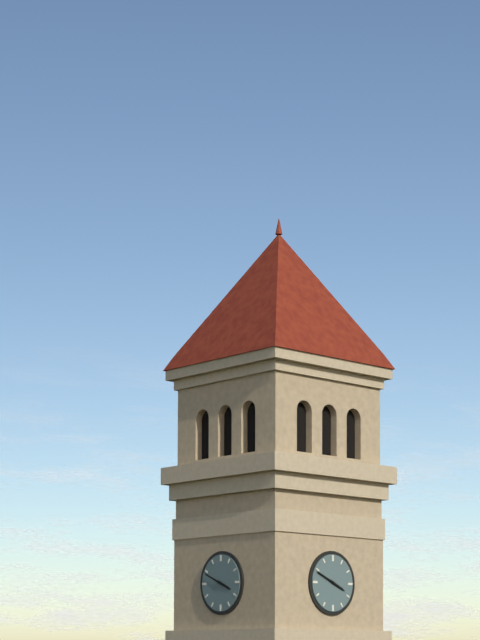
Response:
3h49
